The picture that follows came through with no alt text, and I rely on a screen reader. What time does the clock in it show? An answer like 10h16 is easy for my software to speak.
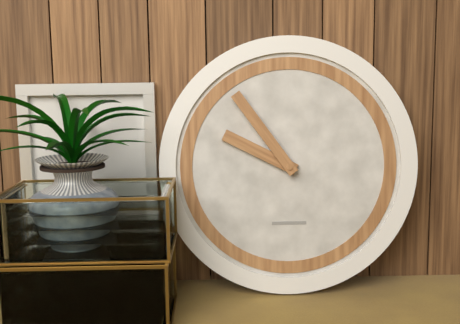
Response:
9h54
